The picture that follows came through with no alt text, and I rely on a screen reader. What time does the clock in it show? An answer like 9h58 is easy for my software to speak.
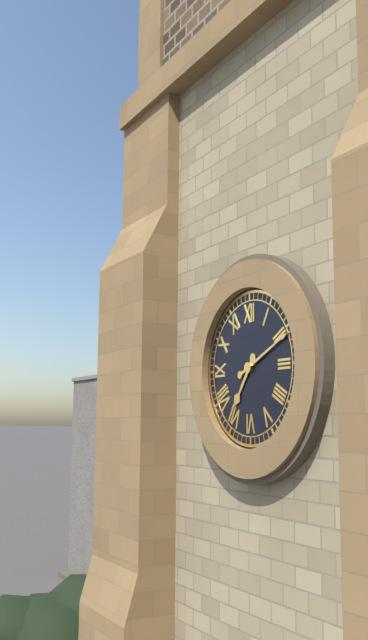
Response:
7h11
